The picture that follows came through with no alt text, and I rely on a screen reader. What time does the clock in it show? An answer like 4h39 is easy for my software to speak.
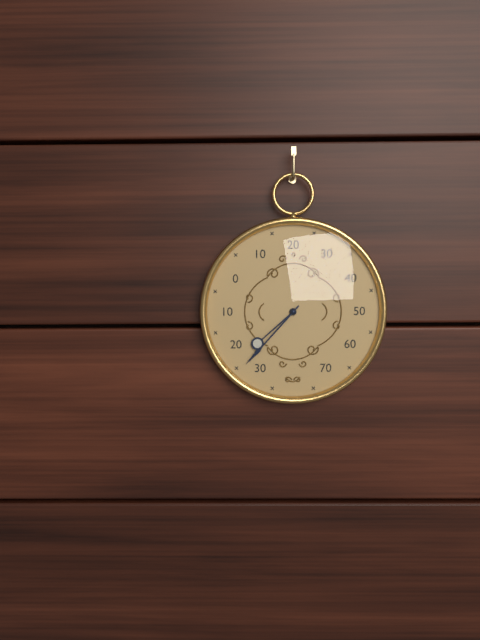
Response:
7h37
